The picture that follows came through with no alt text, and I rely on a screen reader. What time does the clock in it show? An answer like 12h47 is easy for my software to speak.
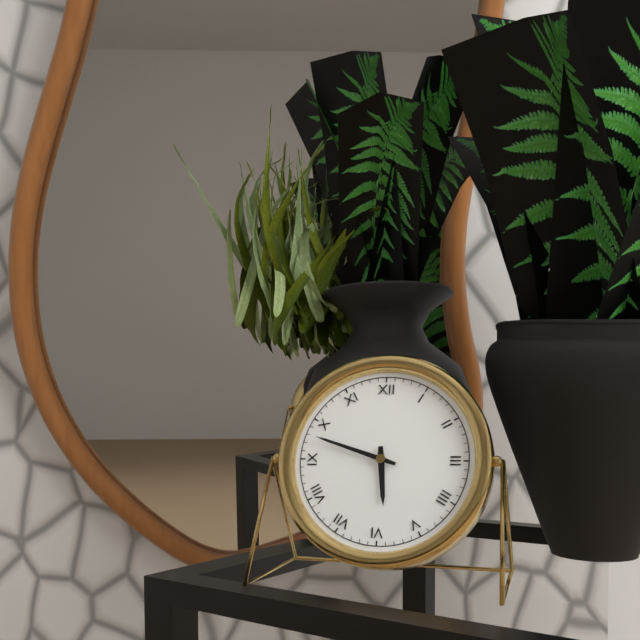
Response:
5h48
